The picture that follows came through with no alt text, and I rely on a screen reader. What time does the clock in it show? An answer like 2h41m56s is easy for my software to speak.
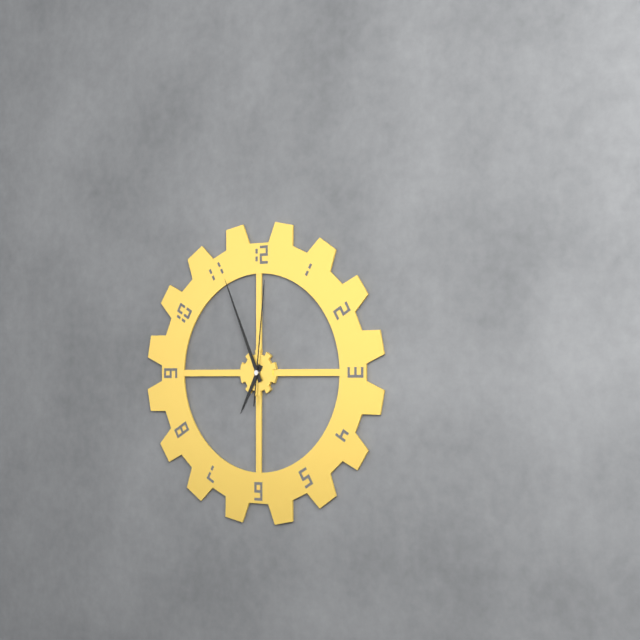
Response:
6h56m01s
